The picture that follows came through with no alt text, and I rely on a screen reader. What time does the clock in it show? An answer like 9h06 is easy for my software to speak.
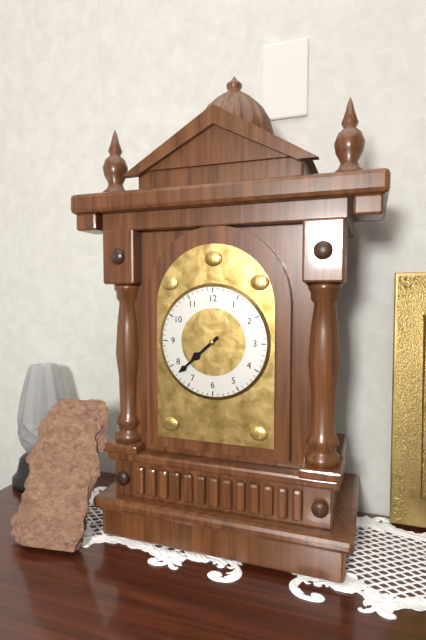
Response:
7h38
